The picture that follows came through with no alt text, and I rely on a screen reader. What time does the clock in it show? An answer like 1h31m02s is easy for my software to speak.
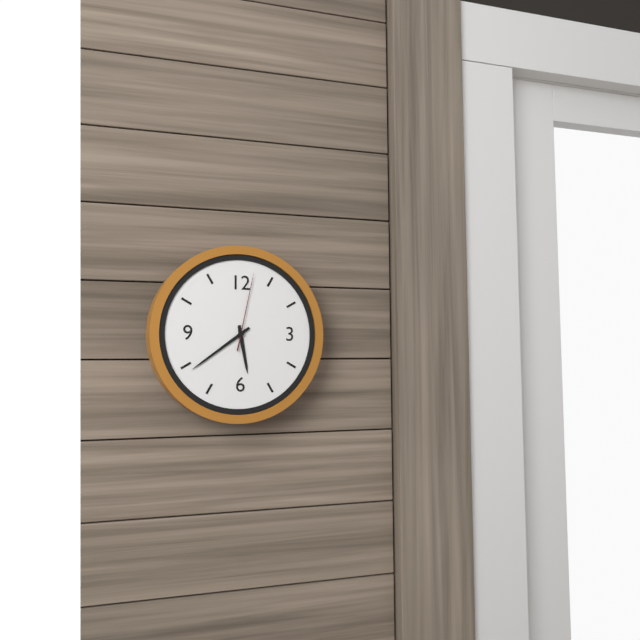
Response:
5h39m02s
